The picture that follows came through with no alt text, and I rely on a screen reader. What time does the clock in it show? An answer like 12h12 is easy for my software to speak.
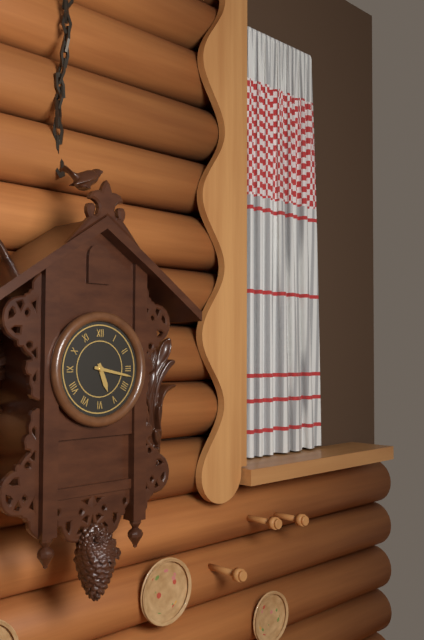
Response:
5h17
